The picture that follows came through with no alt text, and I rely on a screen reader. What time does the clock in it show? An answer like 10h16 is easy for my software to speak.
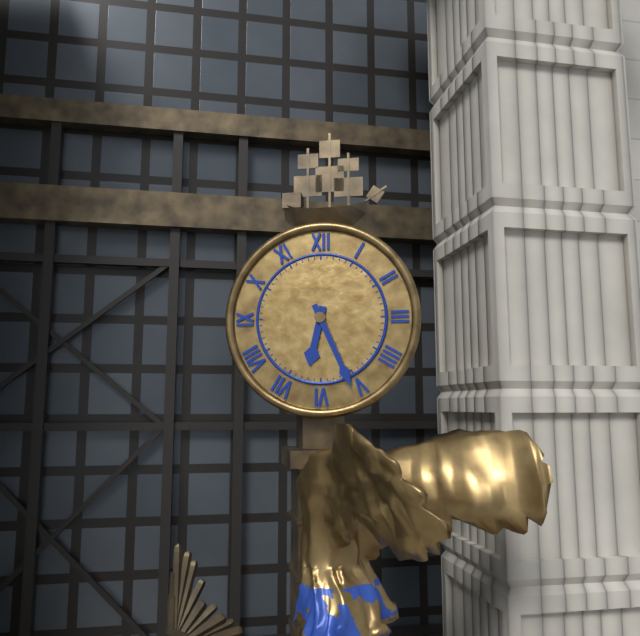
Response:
6h26
